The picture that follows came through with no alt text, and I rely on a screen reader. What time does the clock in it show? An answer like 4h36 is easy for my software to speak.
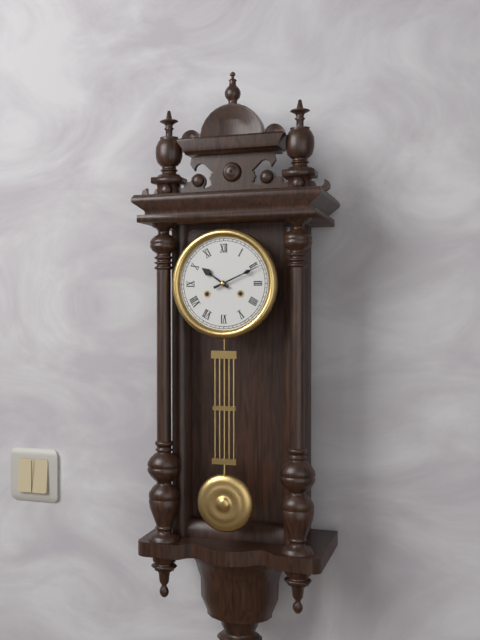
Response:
10h11
